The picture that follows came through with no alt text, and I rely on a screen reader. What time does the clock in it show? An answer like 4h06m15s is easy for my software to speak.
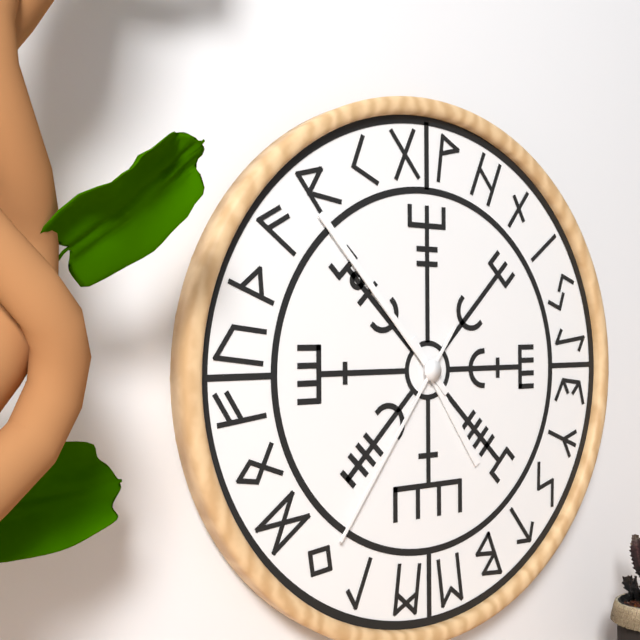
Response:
4h53m36s
